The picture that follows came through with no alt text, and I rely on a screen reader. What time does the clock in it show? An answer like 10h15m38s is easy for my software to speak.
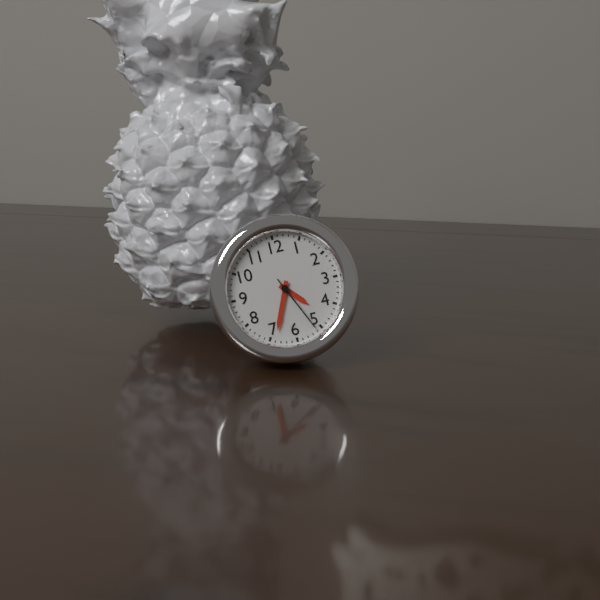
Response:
4h34m26s
